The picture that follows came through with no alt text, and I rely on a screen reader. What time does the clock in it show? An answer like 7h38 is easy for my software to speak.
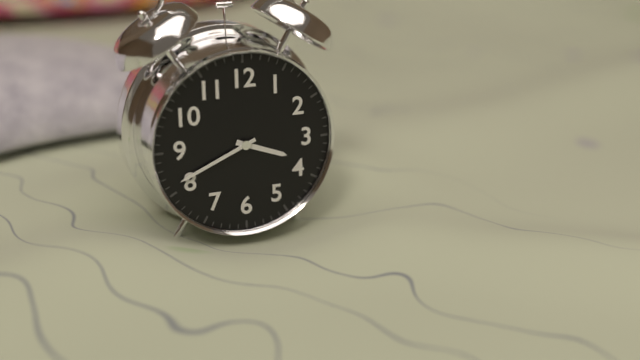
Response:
3h41
